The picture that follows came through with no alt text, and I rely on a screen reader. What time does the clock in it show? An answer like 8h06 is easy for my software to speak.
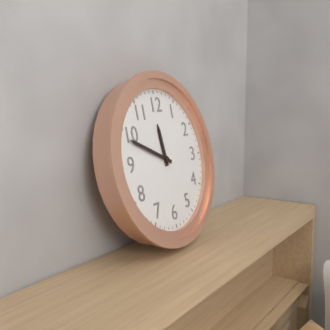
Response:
11h49
